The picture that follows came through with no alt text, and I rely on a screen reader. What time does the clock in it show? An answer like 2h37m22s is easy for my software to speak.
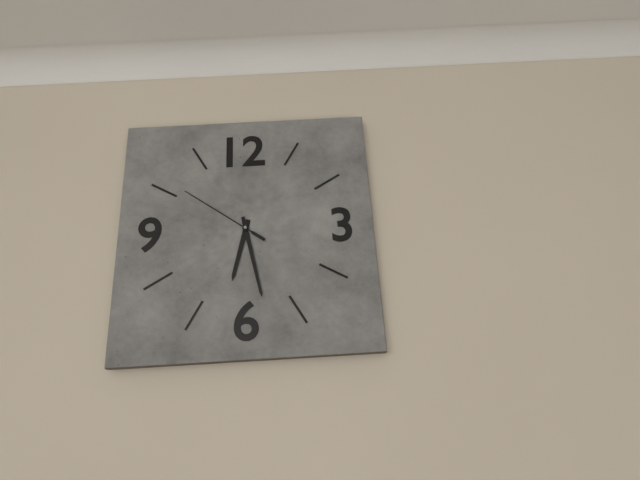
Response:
6h28m51s
